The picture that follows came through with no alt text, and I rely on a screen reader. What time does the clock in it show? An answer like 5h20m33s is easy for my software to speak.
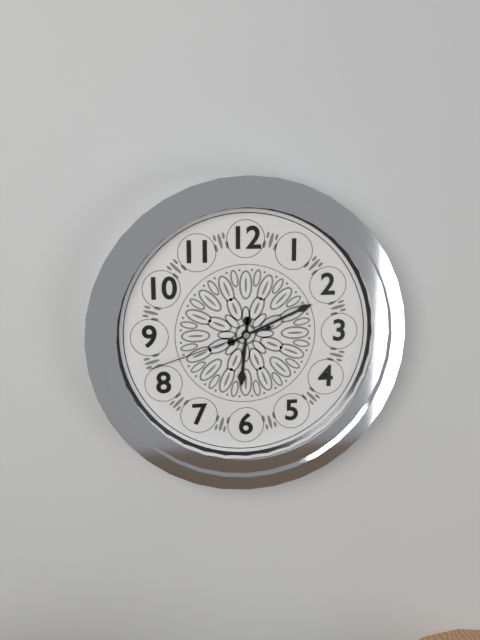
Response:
6h11m42s
